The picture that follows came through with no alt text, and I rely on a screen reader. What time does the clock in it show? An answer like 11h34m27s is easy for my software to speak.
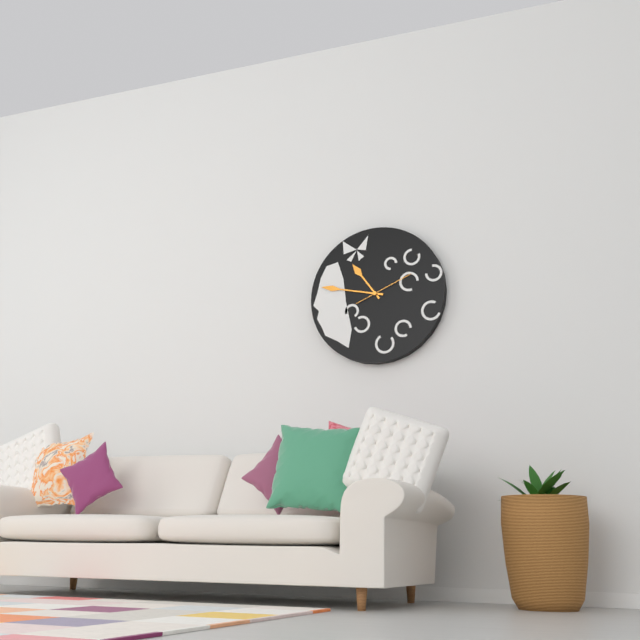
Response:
10h47m11s
